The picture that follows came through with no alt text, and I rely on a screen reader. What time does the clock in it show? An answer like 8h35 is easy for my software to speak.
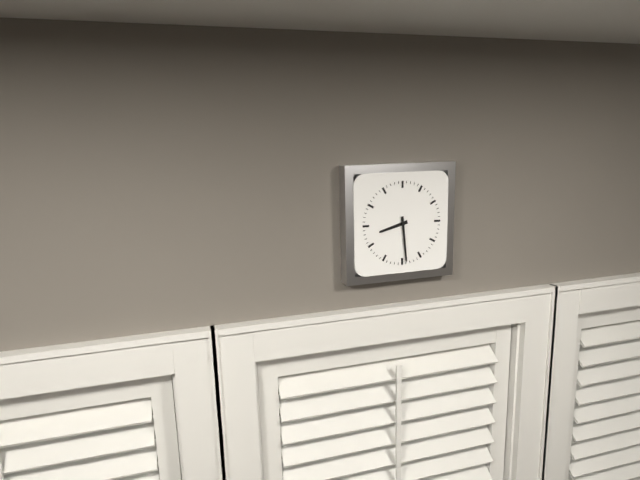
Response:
8h29
